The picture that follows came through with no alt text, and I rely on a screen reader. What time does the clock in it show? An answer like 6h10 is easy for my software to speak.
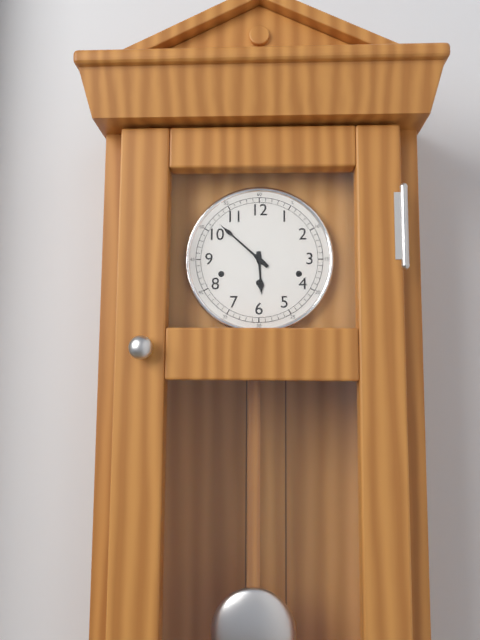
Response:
5h52
